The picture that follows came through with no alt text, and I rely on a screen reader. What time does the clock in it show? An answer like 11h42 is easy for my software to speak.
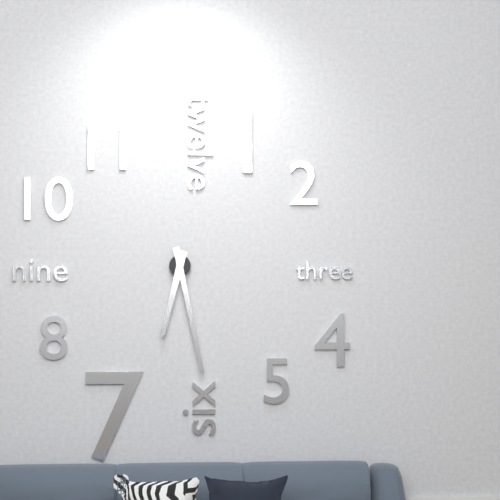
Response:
6h28
